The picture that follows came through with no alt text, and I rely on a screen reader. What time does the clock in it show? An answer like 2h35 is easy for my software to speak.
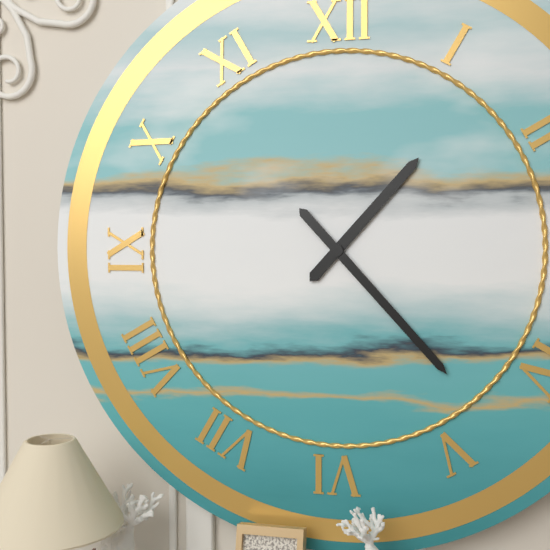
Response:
1h23
